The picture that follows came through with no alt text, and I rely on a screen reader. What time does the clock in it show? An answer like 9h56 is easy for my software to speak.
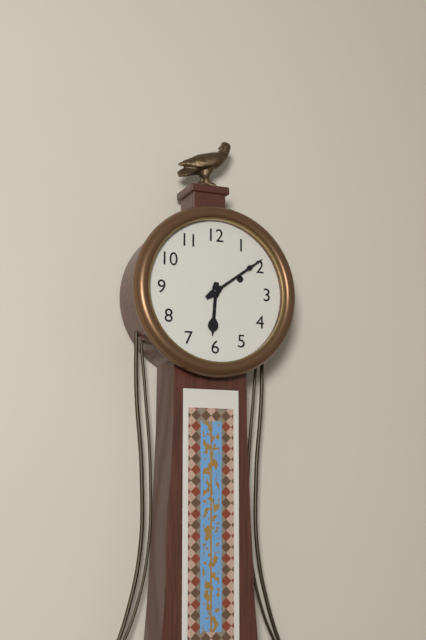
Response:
6h09
